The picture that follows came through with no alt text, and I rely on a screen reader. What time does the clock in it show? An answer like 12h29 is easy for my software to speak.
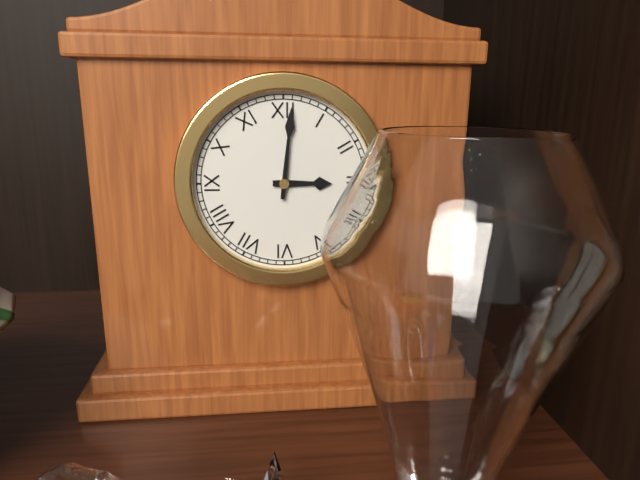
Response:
3h01
